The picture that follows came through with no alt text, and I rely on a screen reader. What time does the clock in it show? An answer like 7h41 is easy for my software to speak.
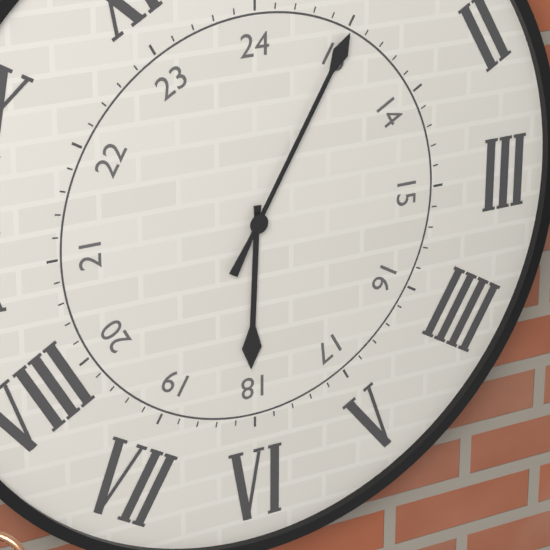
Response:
6h05
